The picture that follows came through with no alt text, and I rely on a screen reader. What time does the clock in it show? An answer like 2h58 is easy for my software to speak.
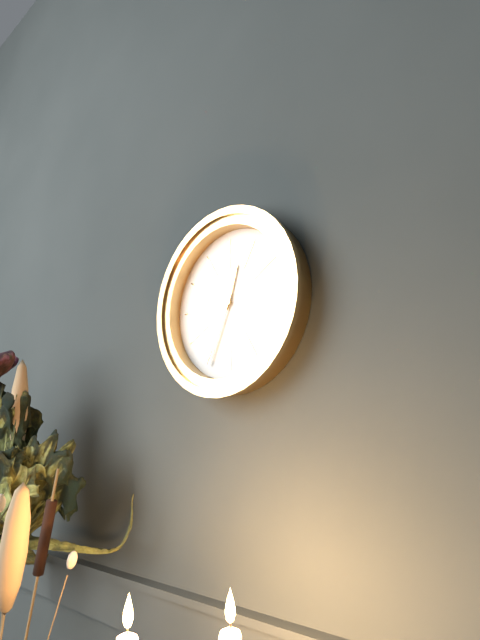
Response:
12h34
